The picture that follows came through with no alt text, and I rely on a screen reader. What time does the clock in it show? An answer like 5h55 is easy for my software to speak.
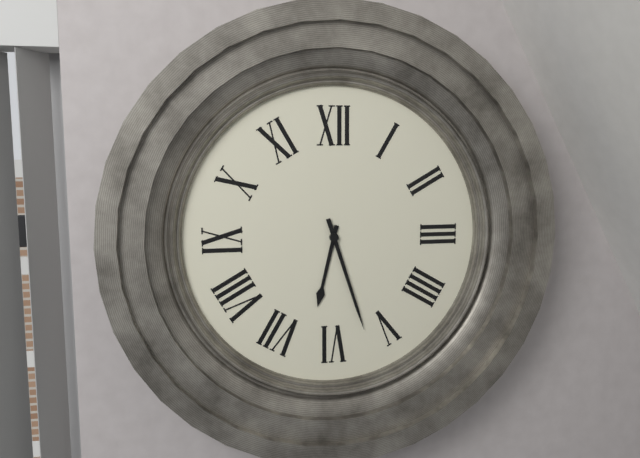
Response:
6h27
